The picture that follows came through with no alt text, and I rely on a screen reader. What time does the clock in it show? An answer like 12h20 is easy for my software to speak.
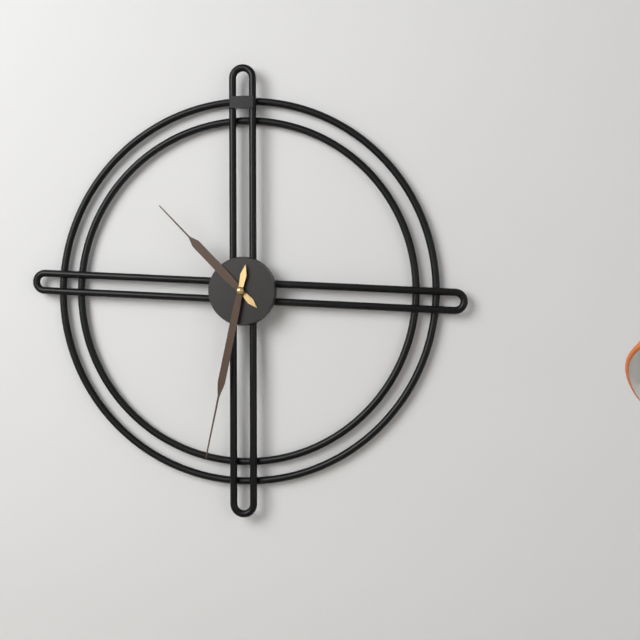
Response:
10h32
